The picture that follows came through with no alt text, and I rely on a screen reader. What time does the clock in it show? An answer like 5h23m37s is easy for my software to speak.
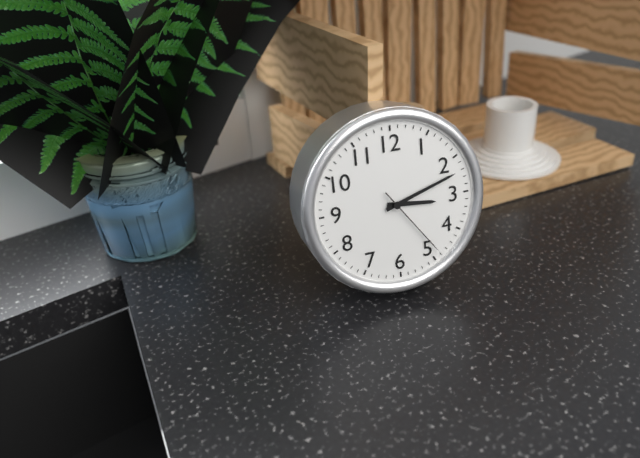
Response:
3h12m24s
